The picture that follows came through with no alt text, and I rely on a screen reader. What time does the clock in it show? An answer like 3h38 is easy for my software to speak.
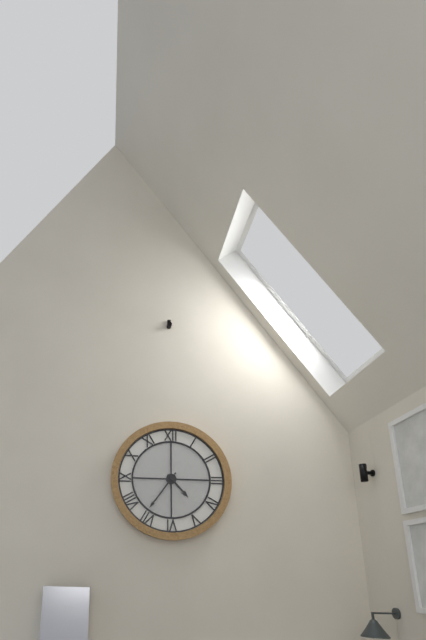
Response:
4h36
